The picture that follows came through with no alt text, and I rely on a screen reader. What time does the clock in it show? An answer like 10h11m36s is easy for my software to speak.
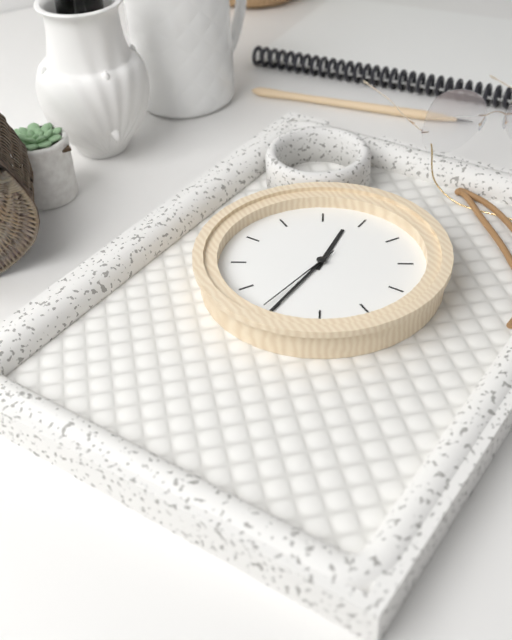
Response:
1h40m41s
